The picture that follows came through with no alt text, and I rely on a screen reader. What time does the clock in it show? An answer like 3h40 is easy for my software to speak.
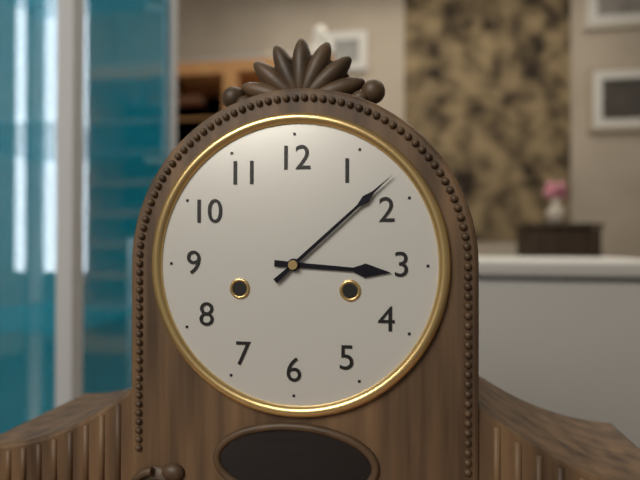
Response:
3h08
